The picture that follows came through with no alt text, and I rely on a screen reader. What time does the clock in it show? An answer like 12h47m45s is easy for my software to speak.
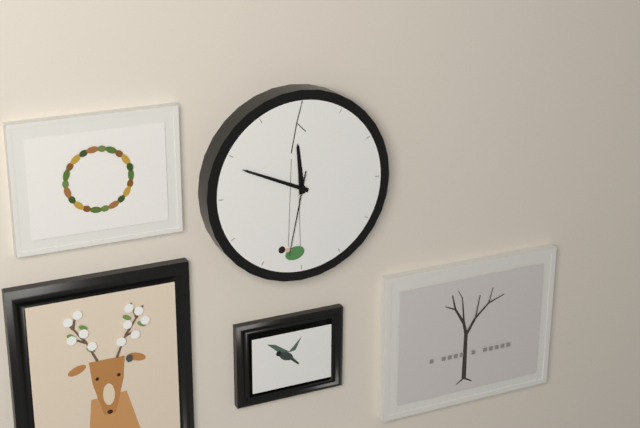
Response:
11h49m32s
